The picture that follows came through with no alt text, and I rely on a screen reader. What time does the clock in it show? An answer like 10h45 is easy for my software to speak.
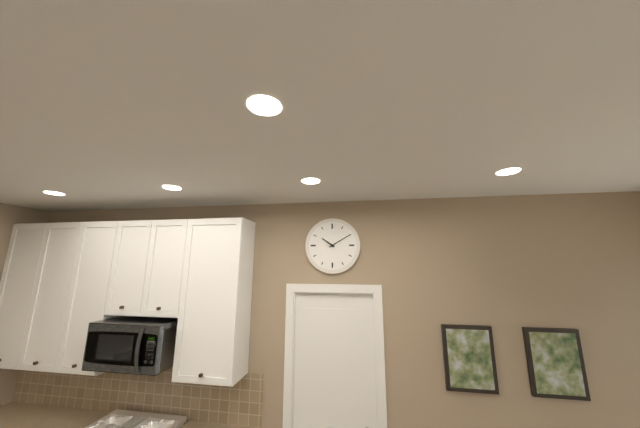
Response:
10h10
